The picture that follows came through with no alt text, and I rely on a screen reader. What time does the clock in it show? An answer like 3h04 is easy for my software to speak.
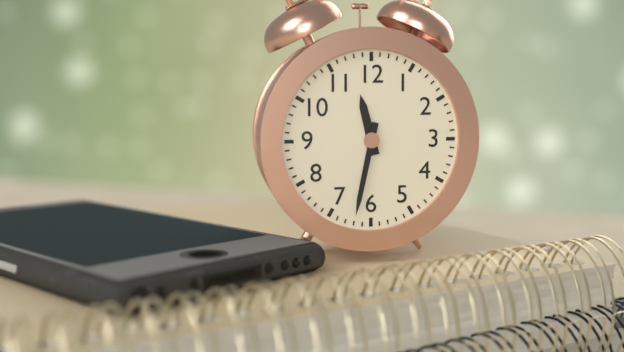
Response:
11h32
